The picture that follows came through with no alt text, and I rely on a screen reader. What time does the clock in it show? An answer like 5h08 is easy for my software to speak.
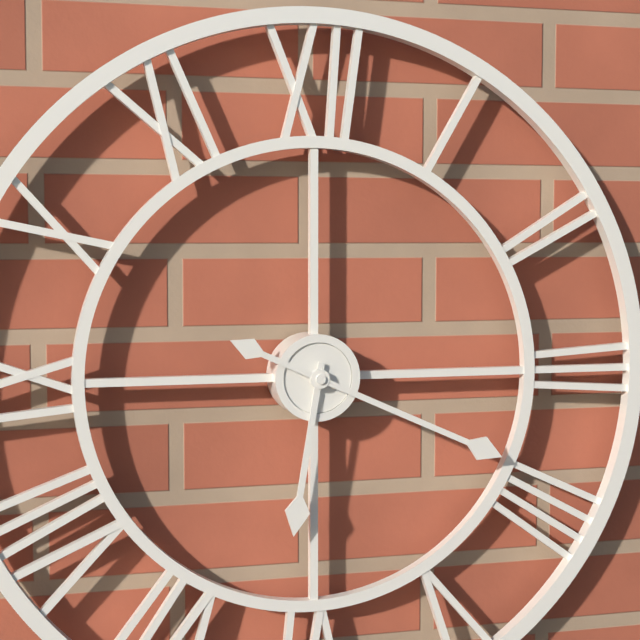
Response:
6h19
